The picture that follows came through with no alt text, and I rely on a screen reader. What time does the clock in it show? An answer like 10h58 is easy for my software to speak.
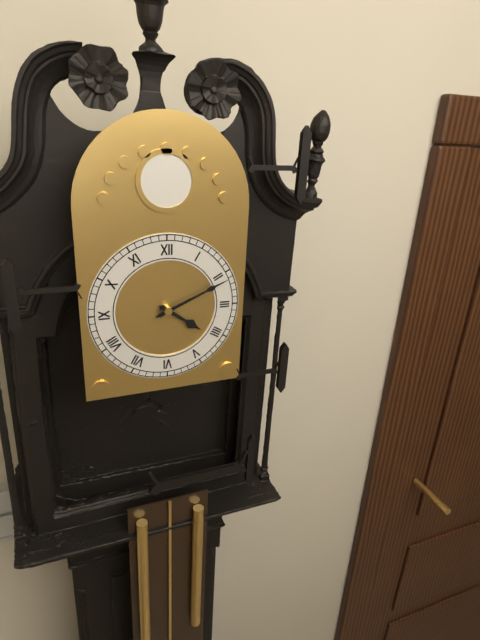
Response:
4h11
